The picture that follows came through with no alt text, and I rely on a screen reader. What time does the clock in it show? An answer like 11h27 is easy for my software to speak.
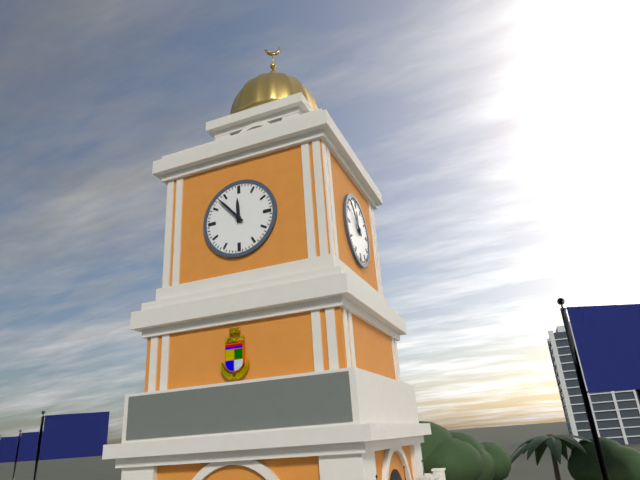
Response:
11h53
